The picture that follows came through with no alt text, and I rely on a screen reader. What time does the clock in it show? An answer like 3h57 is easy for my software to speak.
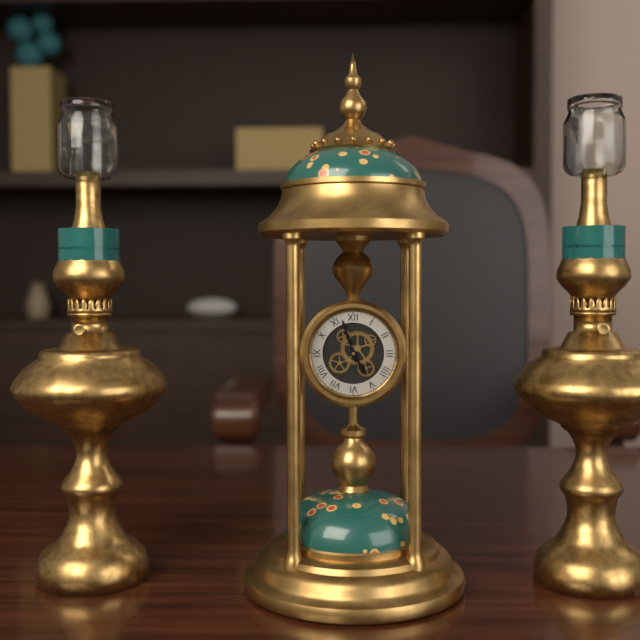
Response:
4h57
